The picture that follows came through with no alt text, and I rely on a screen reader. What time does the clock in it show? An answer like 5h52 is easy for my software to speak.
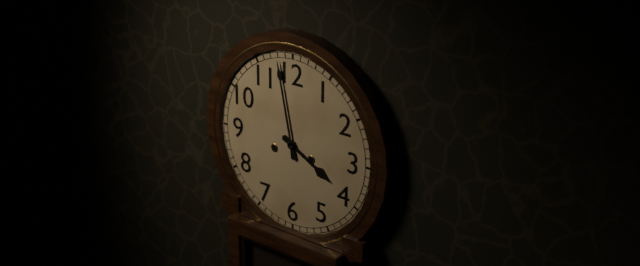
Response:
3h58
